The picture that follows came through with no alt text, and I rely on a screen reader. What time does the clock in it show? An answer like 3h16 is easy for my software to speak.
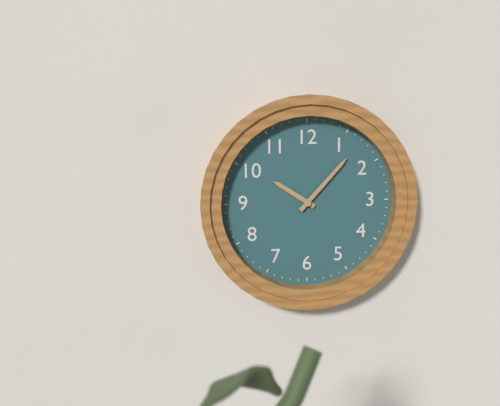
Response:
10h07
